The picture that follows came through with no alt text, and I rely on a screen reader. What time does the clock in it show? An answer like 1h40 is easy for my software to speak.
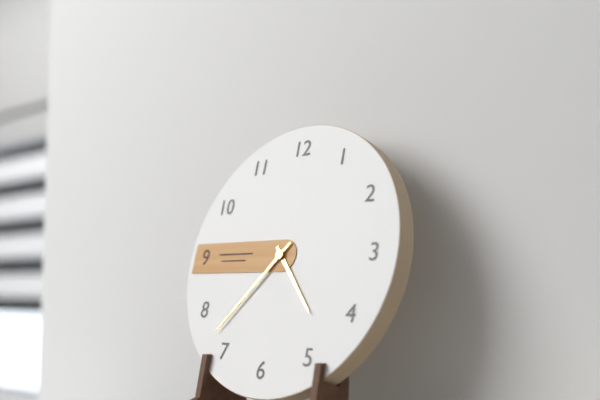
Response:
4h37
